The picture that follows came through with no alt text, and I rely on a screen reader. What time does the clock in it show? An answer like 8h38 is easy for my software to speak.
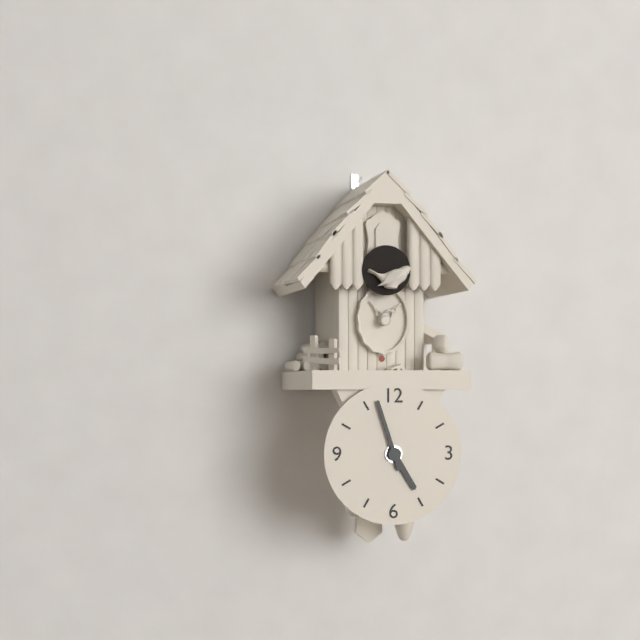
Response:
4h57
